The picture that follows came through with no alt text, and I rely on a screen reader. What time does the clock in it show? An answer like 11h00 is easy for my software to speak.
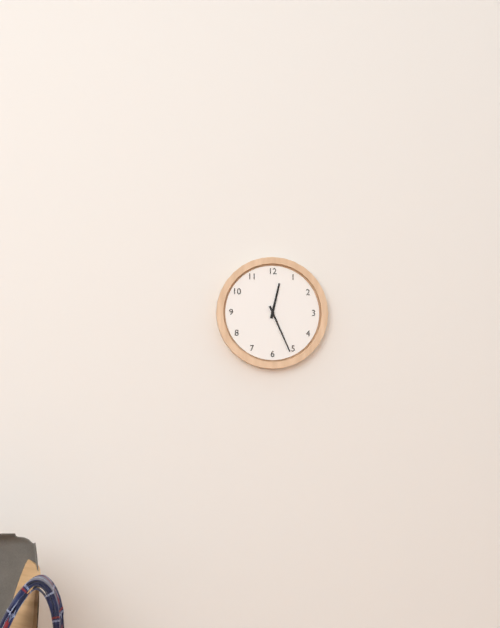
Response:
12h26
